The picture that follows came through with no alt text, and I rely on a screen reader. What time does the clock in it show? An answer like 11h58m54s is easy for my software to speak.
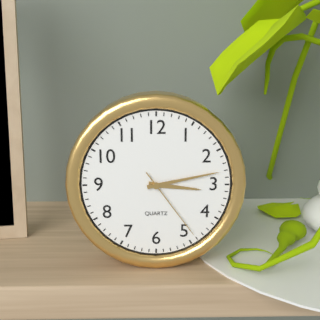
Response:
3h13m24s
